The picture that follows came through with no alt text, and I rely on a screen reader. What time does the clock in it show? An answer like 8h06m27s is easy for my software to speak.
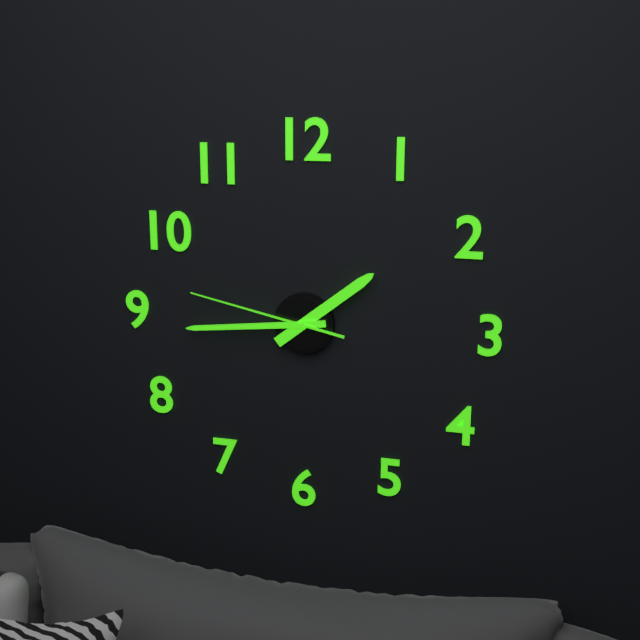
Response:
1h44m47s
